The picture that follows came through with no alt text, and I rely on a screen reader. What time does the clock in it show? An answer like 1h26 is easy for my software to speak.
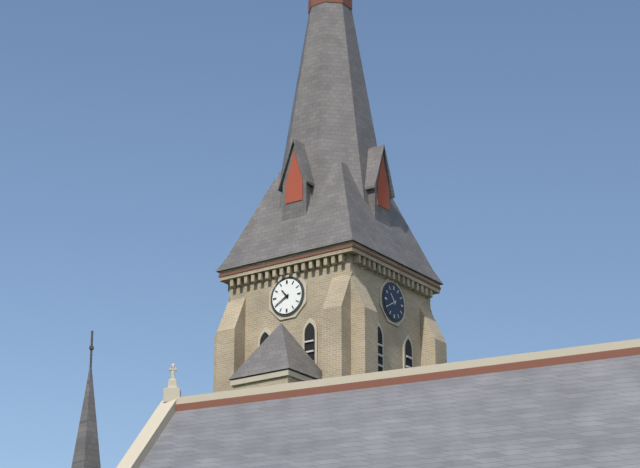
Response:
10h40
